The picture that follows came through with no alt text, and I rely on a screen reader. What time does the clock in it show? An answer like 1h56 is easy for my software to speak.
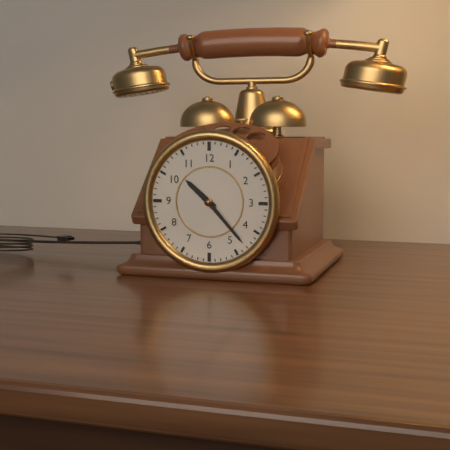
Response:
10h23
